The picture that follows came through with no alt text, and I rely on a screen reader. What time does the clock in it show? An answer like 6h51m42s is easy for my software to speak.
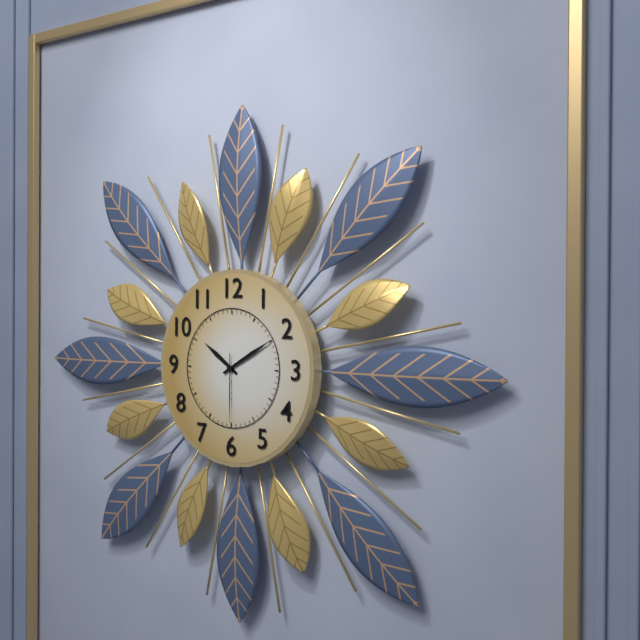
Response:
10h10m30s
